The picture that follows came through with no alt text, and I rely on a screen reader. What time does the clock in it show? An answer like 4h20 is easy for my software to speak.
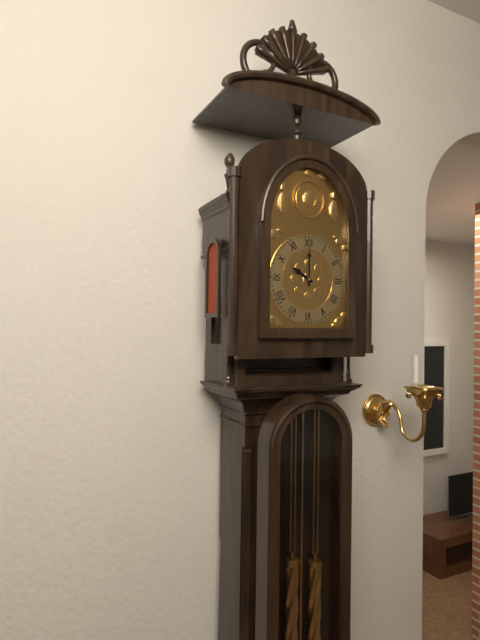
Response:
10h00
